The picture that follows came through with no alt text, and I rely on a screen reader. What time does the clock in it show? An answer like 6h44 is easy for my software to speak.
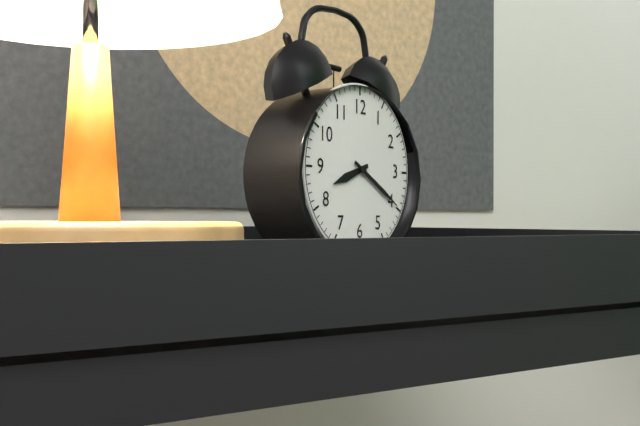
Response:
8h20
